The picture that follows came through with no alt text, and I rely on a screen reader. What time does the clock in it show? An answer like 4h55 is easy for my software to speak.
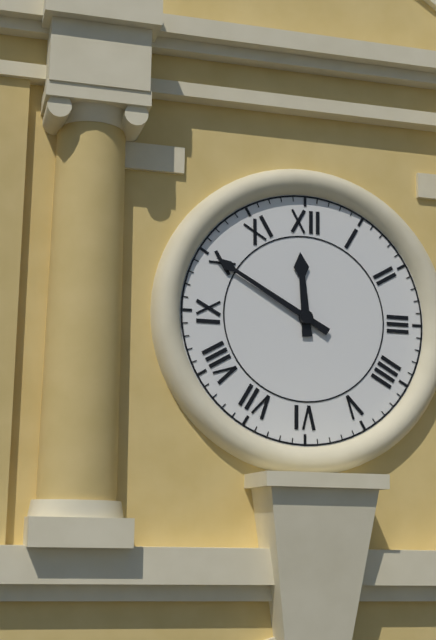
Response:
11h50
